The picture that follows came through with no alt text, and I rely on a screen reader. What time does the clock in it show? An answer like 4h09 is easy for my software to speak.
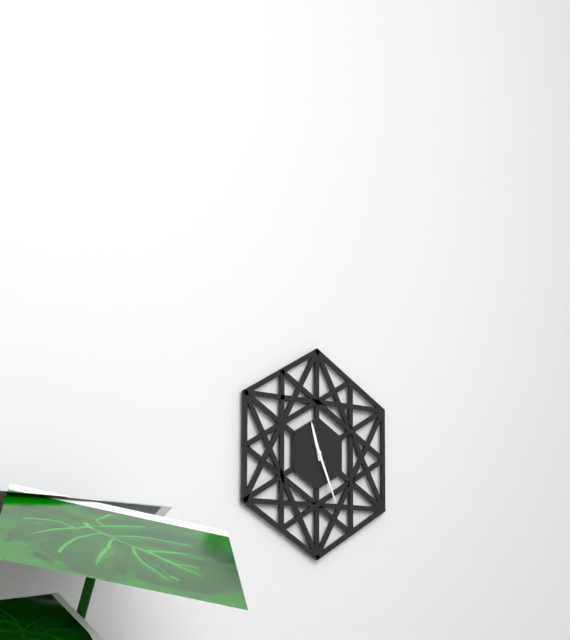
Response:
11h26
